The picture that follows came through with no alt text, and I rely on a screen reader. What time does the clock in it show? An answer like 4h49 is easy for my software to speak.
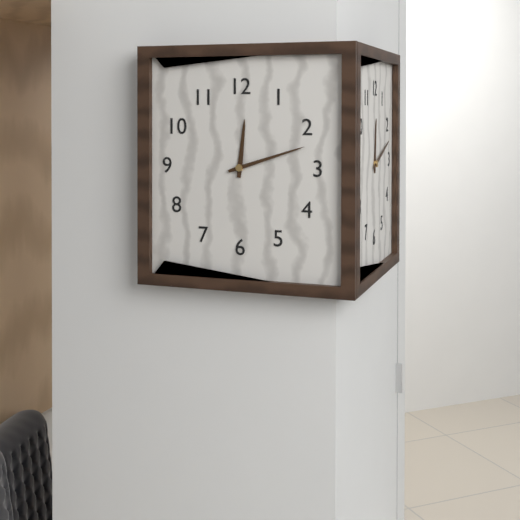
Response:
12h12
